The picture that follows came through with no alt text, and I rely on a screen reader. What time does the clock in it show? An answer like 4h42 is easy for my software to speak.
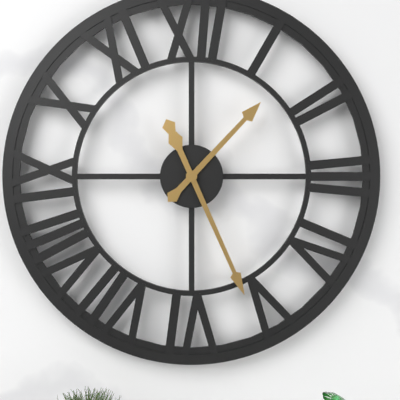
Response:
1h26
